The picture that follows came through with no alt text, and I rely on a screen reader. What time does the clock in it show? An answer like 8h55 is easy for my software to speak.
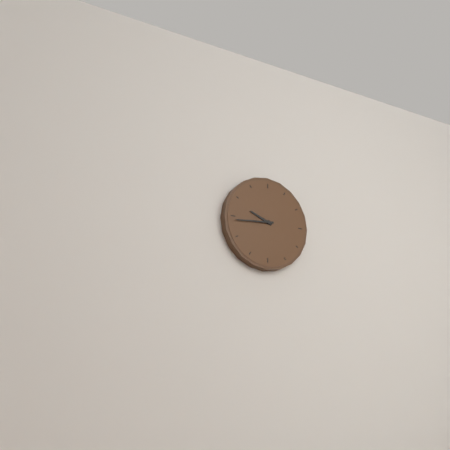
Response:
9h44
